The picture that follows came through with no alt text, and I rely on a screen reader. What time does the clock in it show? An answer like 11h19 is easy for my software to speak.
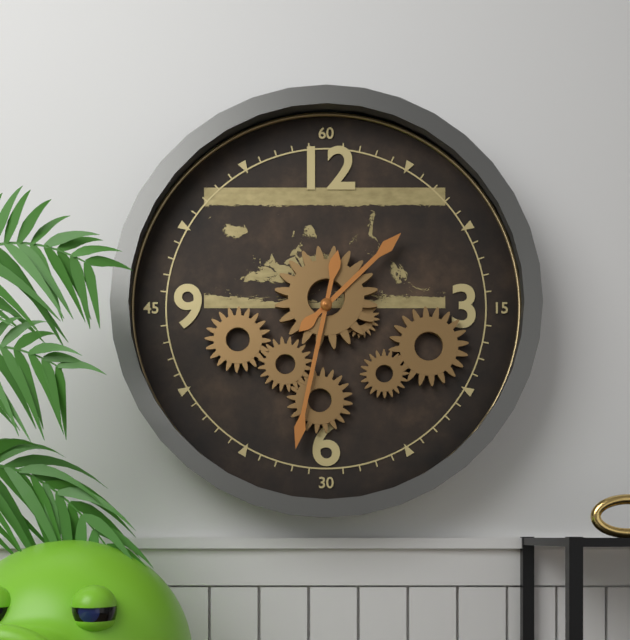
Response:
1h32
